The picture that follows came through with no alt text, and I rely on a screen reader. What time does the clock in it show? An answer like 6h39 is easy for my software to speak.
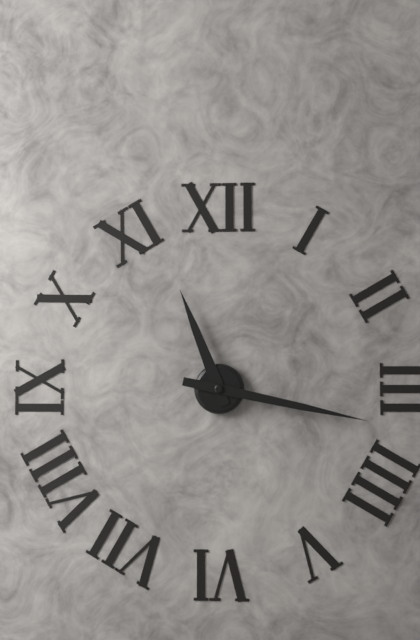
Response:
11h17
